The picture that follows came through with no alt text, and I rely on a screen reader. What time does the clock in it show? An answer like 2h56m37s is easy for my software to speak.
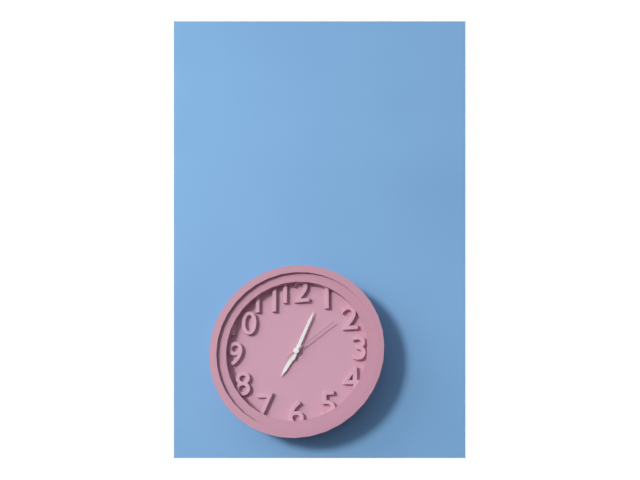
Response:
7h04m09s
